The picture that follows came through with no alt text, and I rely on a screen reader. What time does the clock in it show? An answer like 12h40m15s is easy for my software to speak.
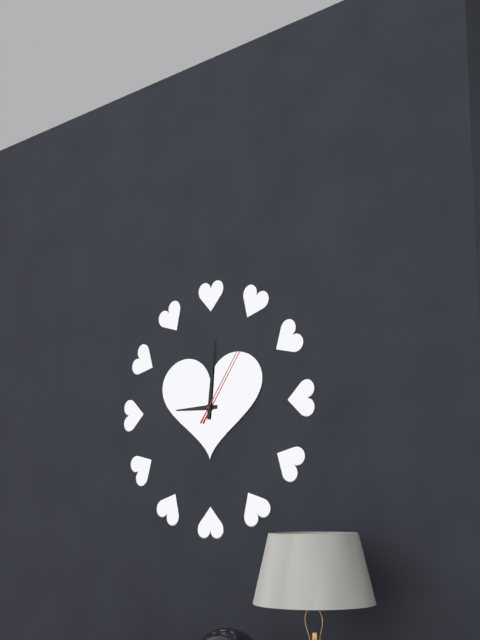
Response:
9h01m06s
